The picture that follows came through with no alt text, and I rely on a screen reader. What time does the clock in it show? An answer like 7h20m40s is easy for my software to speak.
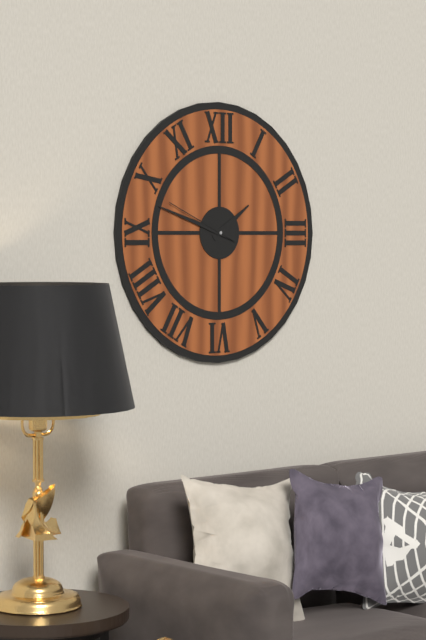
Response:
1h48m49s
